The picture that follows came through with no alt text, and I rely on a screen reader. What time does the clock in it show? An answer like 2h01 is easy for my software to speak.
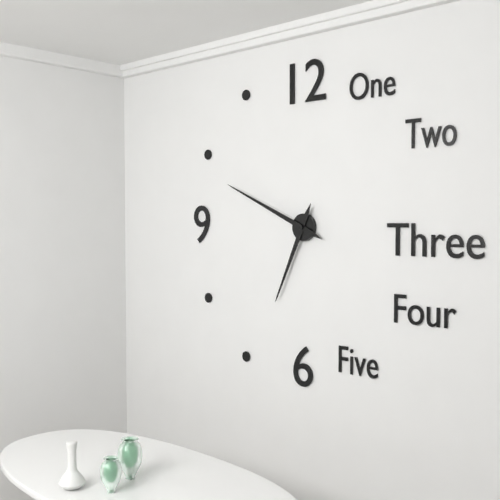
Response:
6h49
